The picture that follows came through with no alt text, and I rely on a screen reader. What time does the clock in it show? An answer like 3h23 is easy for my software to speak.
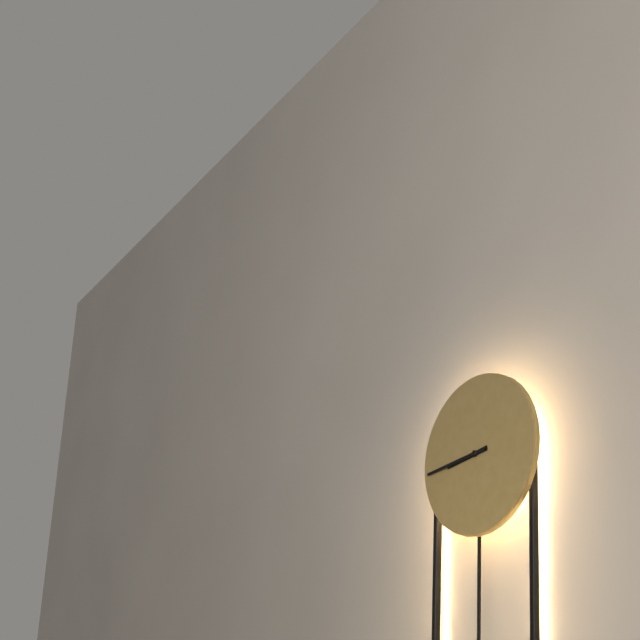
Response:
8h44
